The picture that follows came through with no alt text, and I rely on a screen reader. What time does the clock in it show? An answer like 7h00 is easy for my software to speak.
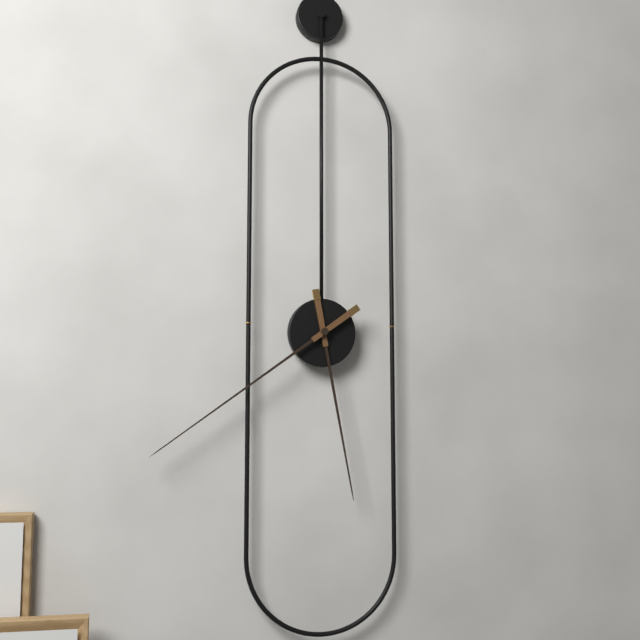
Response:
5h39
